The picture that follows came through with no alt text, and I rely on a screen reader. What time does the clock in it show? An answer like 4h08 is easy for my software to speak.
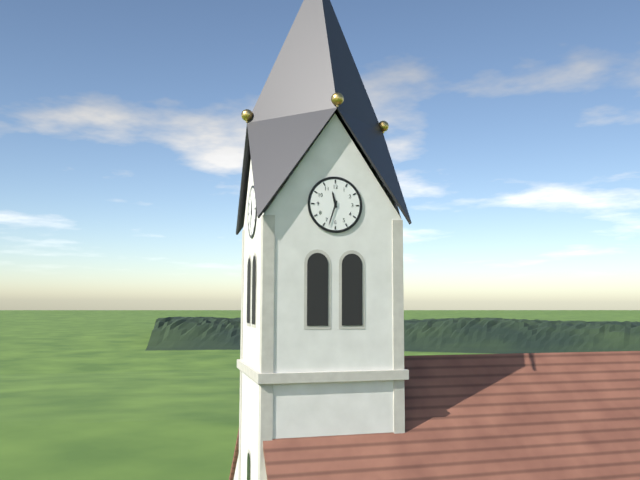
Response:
11h33
